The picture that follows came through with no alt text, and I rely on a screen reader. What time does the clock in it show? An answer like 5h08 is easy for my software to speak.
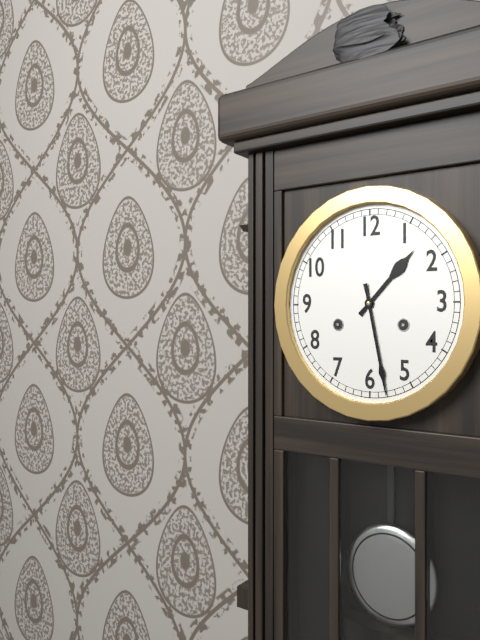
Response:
1h28
